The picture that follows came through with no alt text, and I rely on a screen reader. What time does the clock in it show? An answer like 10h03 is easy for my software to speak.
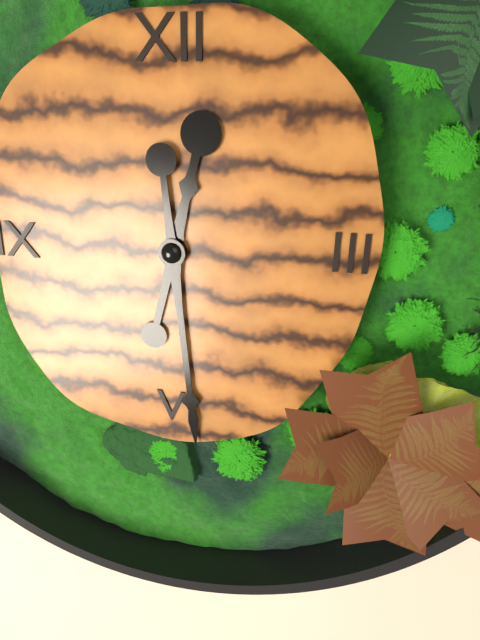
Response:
12h29
